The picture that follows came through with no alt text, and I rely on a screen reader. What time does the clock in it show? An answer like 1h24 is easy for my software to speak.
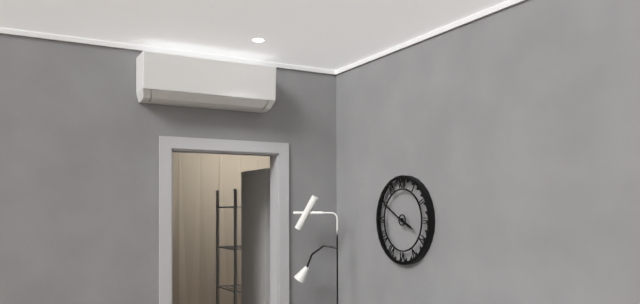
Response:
3h50
